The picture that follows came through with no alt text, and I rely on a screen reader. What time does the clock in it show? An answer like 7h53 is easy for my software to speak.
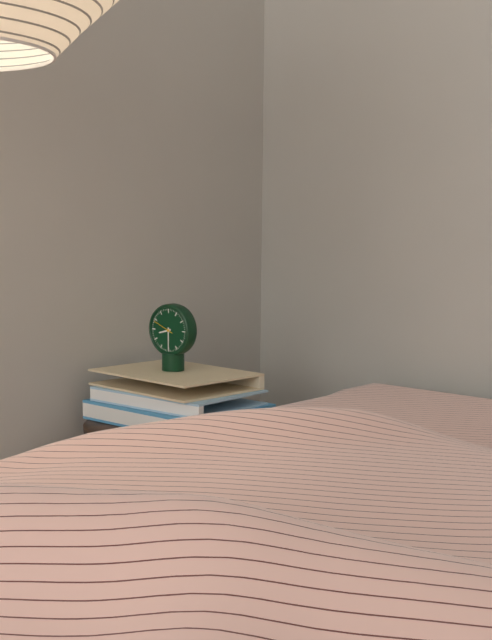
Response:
8h30
